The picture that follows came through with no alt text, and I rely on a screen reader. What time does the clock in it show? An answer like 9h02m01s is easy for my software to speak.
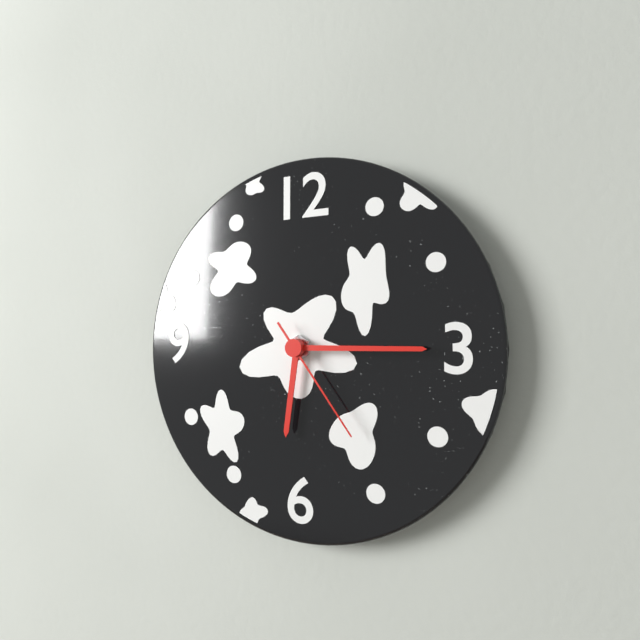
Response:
6h15m24s
